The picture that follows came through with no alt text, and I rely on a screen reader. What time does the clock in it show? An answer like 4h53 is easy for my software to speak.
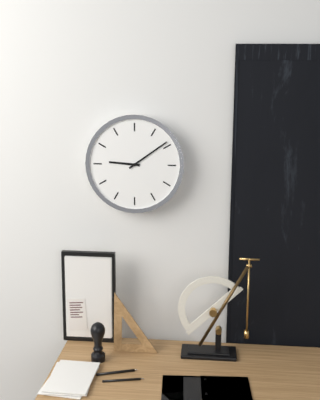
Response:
9h09
